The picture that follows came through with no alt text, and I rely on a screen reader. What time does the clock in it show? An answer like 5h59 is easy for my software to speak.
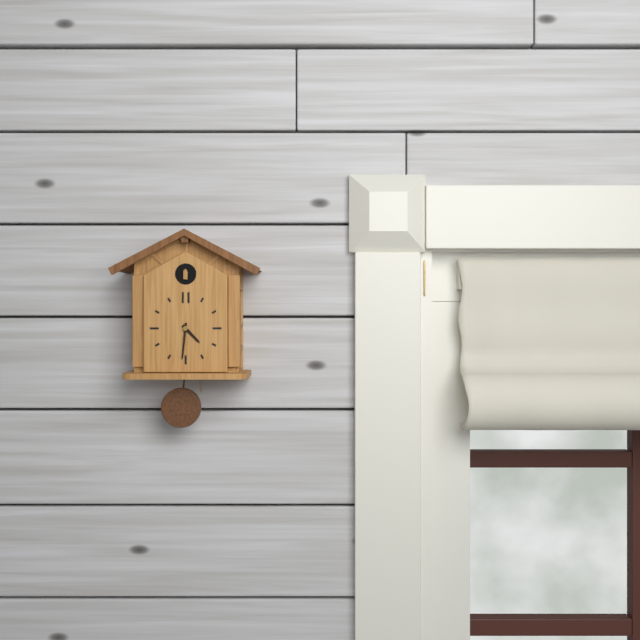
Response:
4h31
